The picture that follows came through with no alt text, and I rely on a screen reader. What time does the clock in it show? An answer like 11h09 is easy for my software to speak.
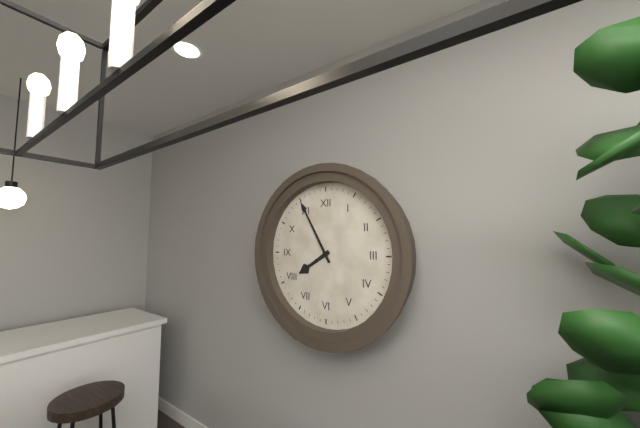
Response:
7h55
